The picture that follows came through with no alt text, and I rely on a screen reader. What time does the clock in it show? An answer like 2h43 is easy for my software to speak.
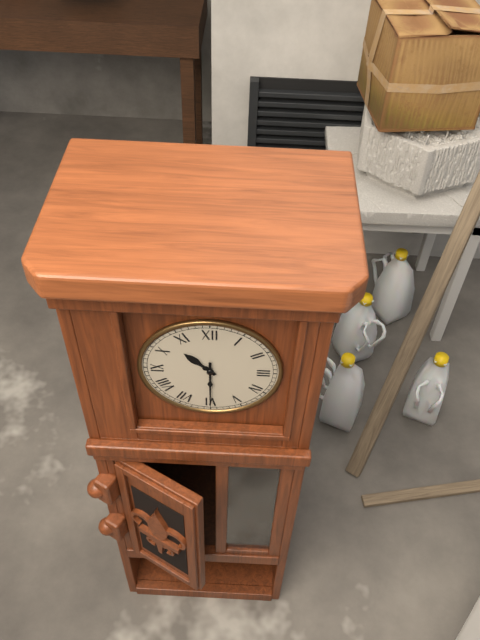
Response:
10h30
